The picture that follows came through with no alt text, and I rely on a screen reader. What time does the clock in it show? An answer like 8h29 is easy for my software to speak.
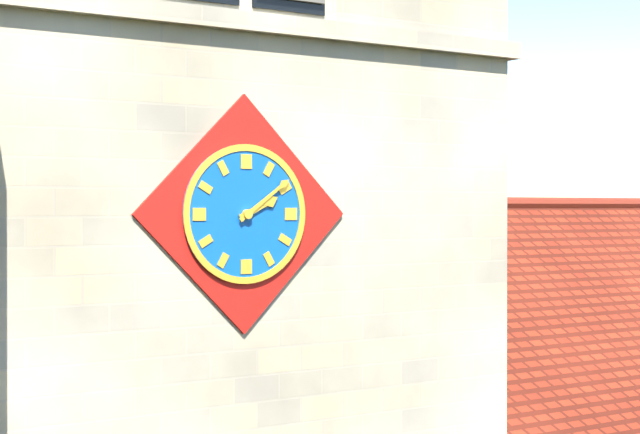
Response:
2h09
